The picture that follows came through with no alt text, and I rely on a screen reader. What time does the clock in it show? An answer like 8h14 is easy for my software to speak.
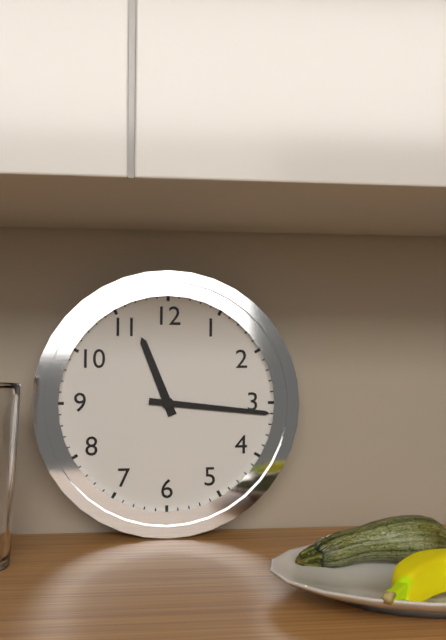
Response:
11h16
